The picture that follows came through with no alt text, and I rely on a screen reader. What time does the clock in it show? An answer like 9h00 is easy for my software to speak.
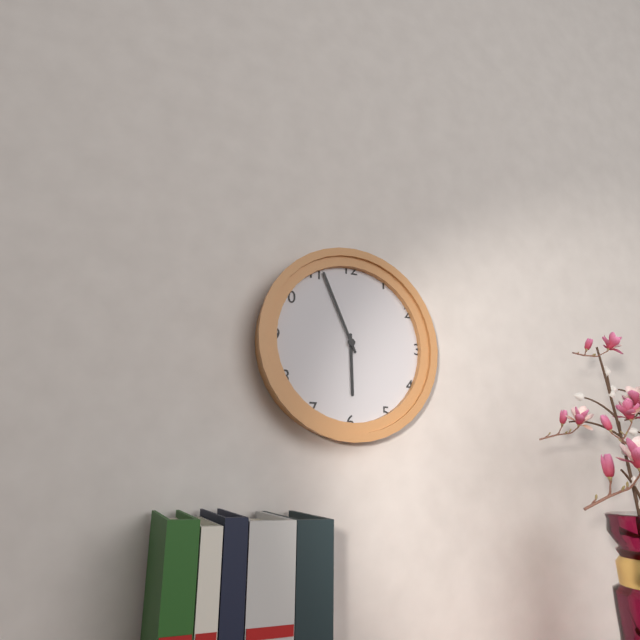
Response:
5h56
